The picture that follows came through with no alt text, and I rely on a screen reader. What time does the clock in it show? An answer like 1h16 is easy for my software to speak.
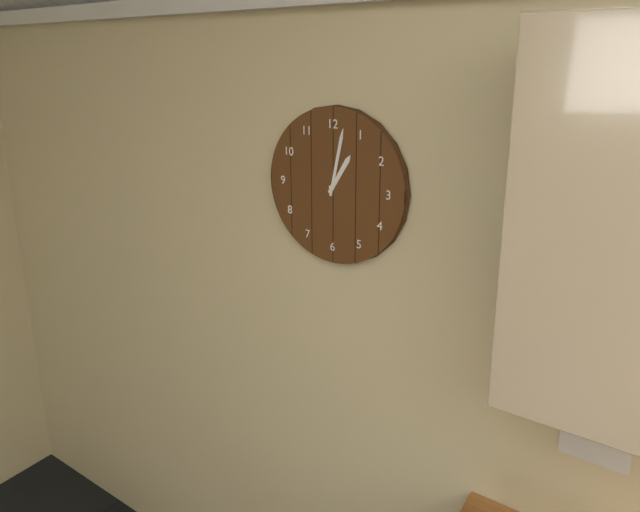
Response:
1h02
